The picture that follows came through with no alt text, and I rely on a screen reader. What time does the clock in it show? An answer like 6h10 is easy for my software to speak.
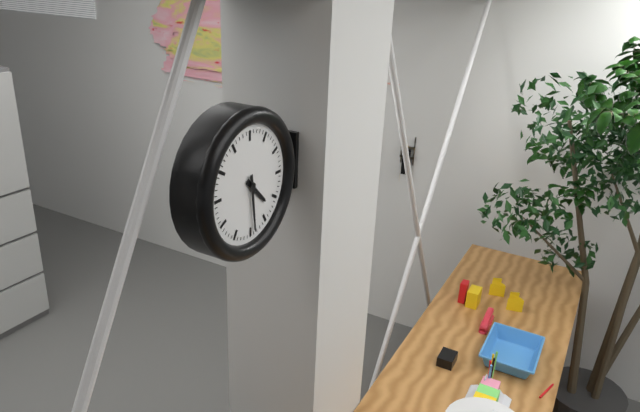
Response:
4h29
